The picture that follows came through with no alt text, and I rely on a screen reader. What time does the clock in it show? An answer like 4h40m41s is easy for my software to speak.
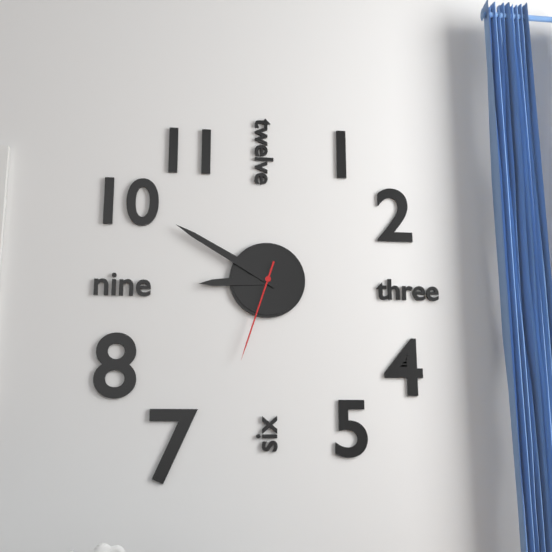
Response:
8h50m33s
